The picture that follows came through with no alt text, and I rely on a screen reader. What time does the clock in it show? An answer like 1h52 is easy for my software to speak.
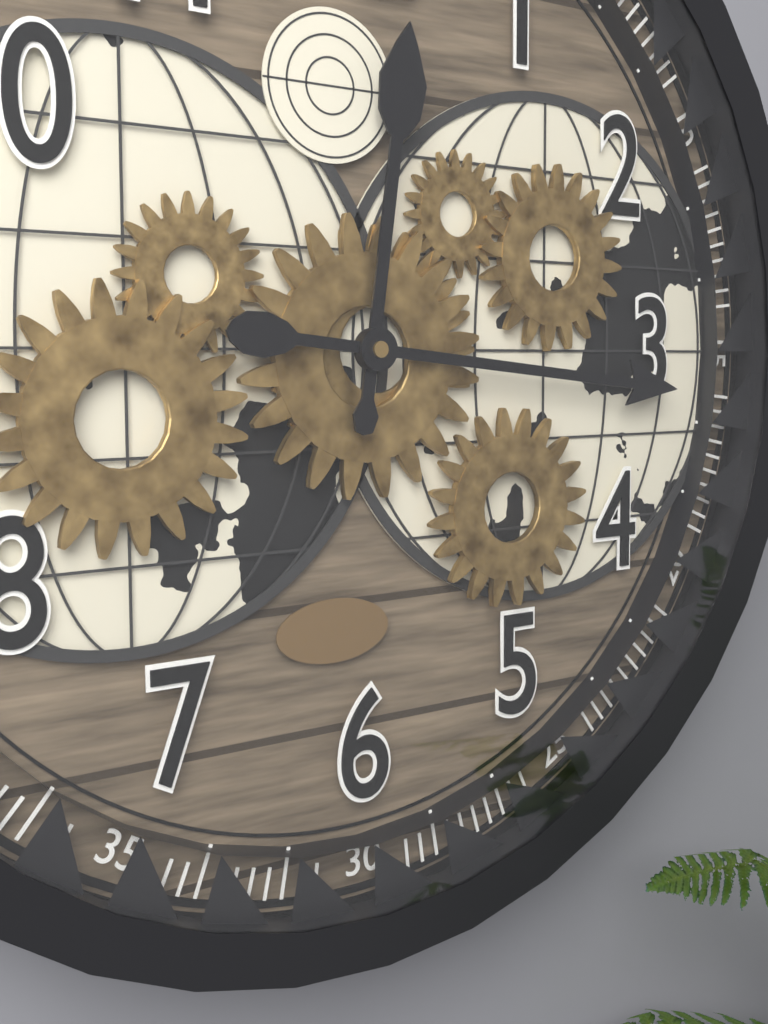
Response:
12h16
